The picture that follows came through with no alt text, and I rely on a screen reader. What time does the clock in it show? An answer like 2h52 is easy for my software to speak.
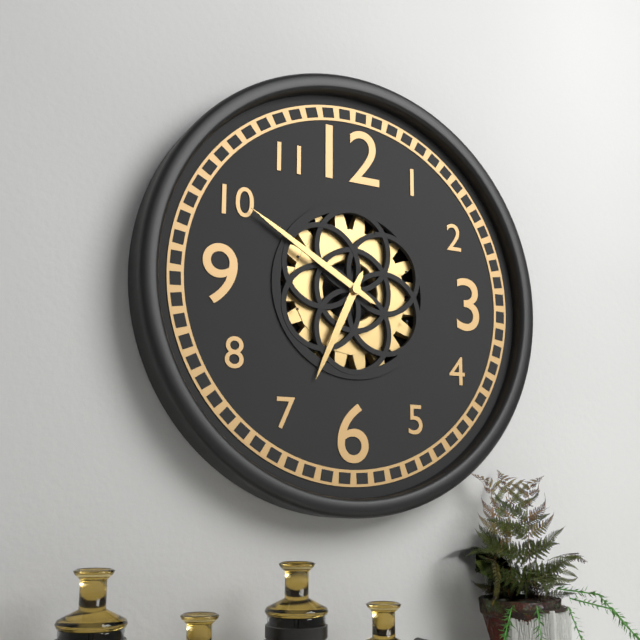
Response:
6h50
